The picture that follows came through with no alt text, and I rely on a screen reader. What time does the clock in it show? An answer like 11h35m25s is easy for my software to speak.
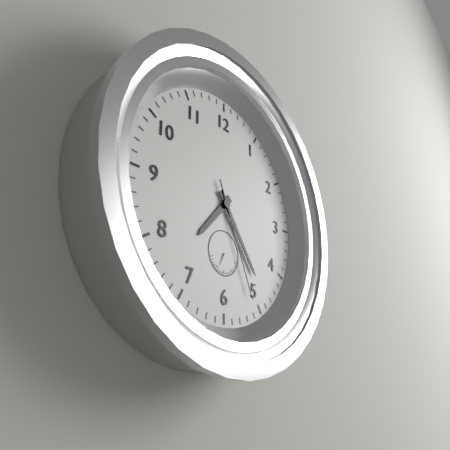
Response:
7h24m26s
